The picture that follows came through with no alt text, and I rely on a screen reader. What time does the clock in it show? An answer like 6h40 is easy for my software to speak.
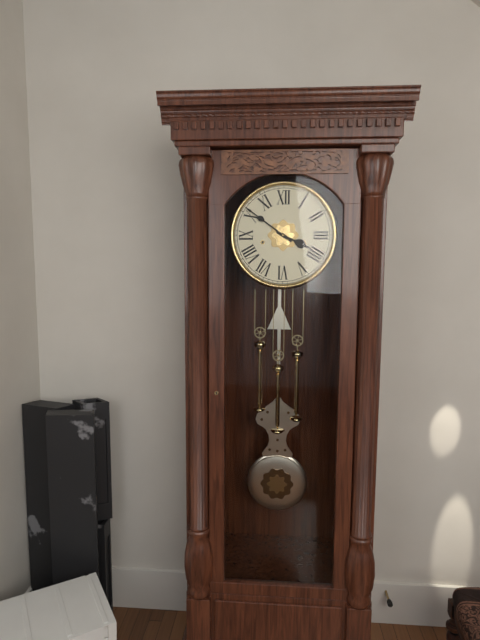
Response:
3h51
